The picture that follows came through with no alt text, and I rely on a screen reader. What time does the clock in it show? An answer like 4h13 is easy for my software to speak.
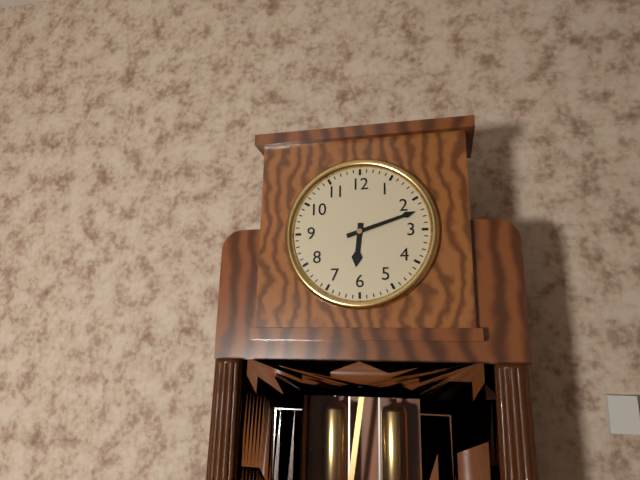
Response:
6h12
